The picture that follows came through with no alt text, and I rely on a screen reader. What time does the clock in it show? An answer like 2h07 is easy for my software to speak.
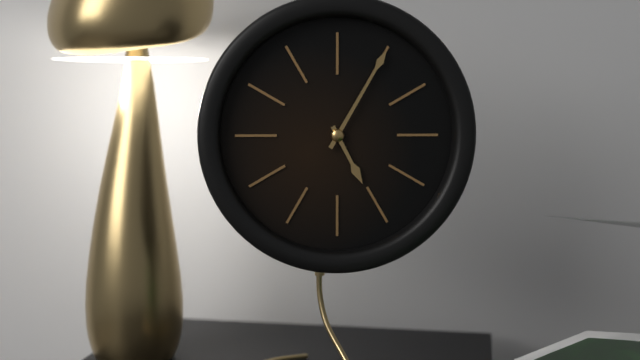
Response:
5h05
